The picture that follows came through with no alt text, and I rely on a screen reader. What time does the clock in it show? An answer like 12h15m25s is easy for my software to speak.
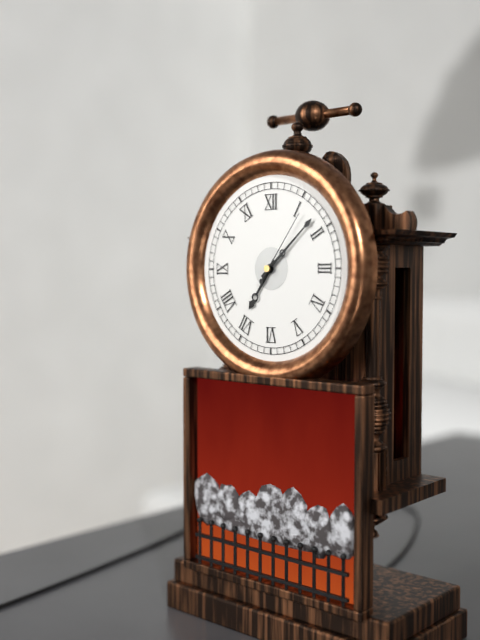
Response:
7h08m06s
